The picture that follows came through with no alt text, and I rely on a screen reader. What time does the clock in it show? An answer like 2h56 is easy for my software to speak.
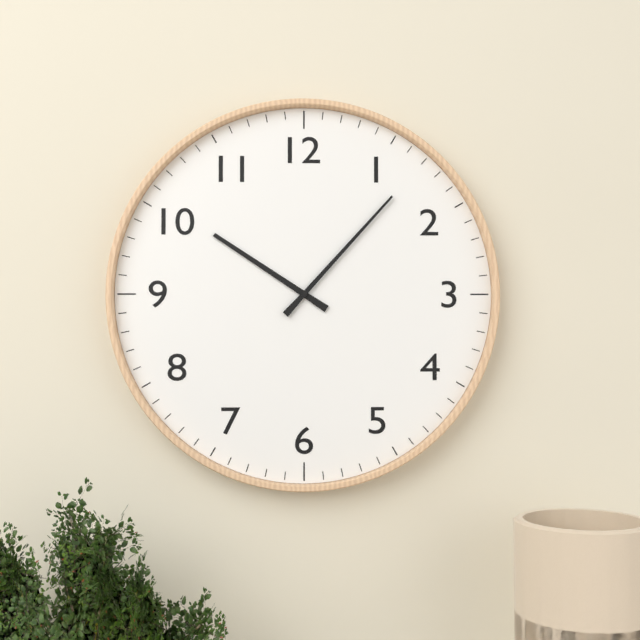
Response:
10h07
